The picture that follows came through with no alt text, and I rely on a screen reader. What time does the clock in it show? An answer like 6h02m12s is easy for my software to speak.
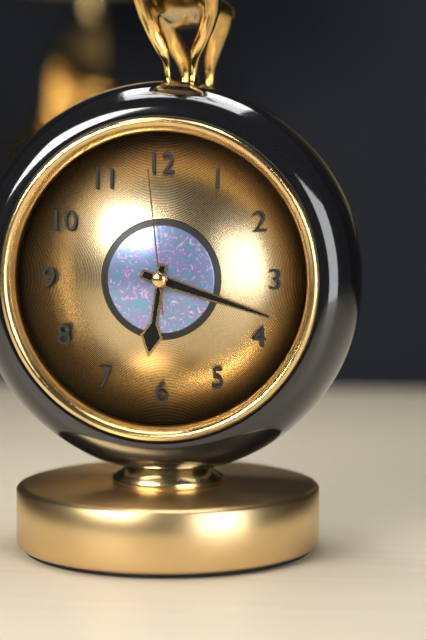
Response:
6h18m59s
